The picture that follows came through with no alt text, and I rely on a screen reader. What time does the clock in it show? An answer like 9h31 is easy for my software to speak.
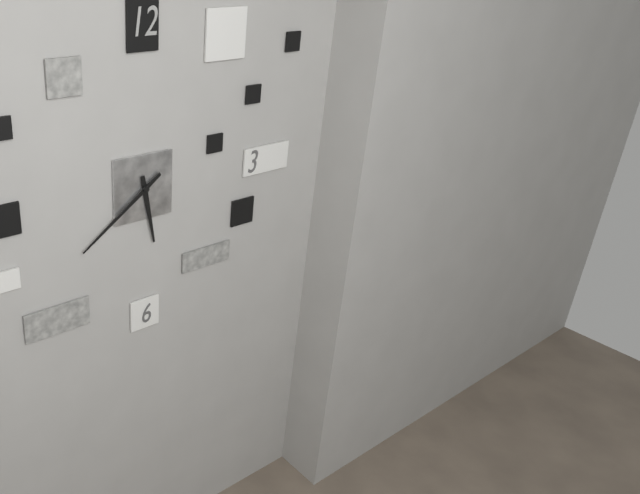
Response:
5h39
